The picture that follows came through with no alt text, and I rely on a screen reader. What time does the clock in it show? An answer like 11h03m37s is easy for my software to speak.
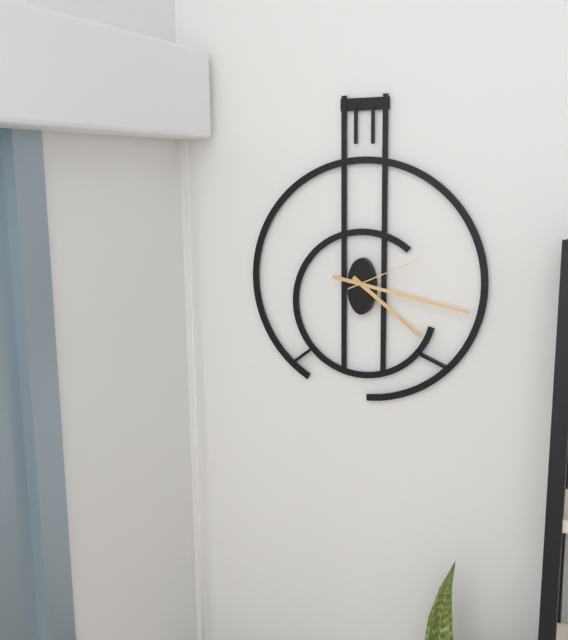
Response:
4h17m11s
